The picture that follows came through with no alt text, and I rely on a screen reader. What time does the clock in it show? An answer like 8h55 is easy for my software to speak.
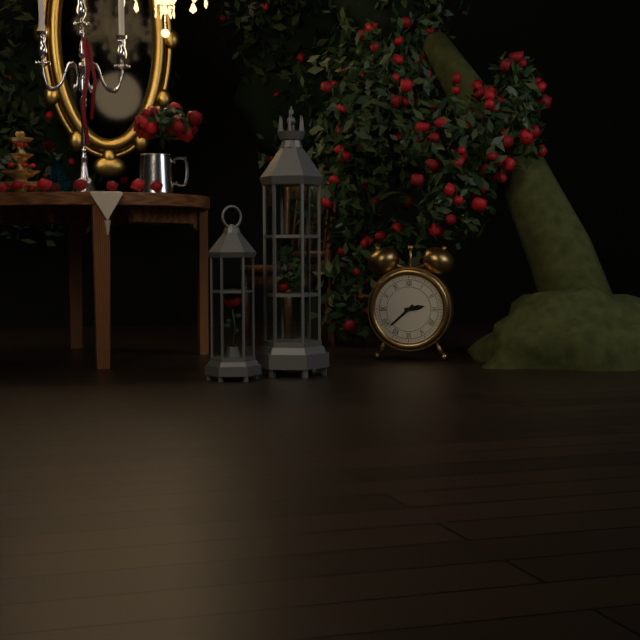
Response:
2h38
